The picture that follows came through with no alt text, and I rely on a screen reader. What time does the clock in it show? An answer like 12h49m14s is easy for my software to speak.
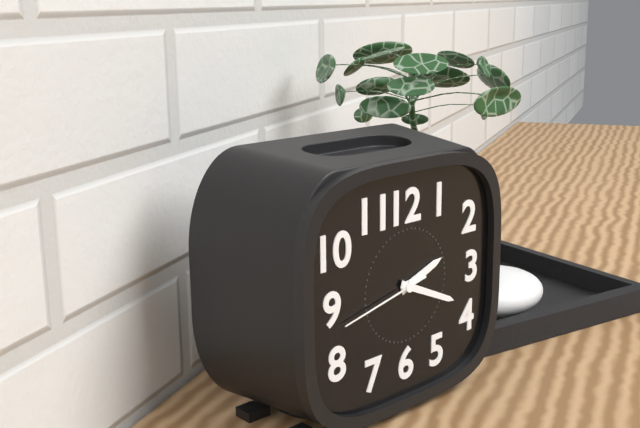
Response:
2h19m43s
